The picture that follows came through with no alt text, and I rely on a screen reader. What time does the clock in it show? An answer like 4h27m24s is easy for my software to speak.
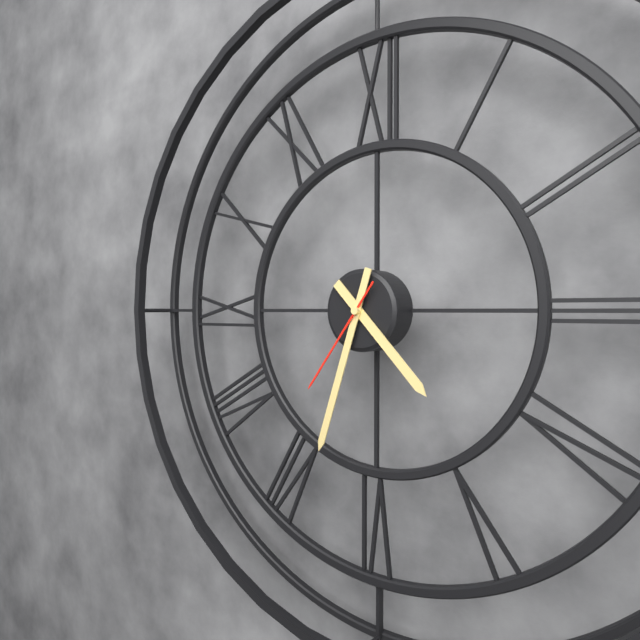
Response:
4h33m36s
